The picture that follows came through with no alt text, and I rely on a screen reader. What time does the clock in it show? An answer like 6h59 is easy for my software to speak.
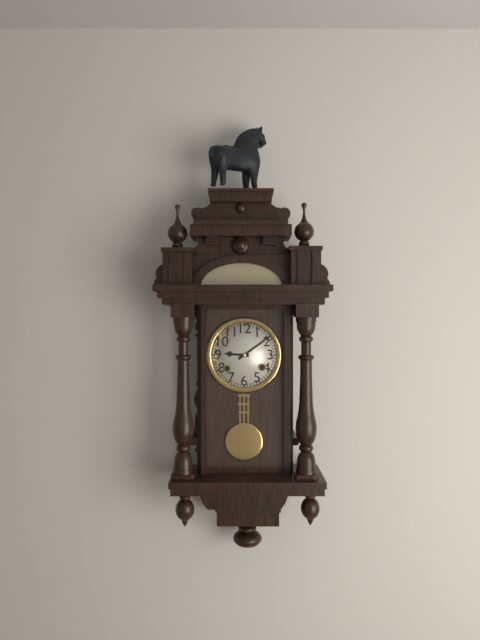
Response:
9h09
